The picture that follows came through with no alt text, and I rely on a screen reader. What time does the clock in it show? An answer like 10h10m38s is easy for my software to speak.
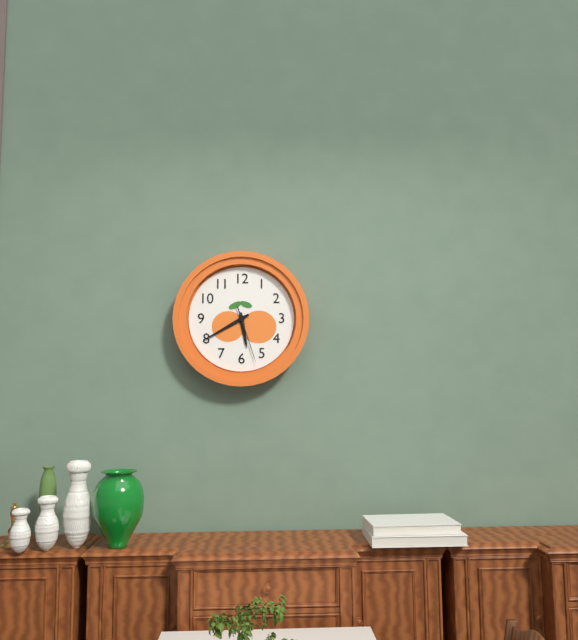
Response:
5h40m27s
